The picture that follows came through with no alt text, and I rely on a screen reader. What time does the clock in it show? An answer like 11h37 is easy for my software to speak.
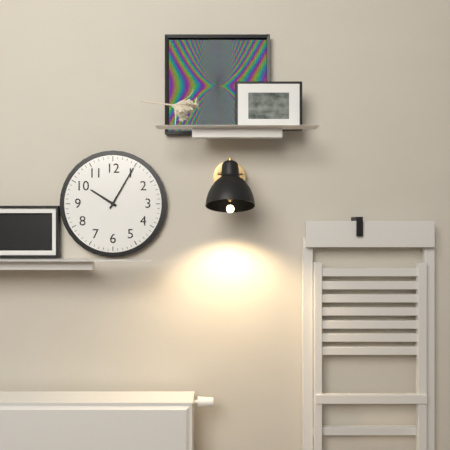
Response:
10h05
